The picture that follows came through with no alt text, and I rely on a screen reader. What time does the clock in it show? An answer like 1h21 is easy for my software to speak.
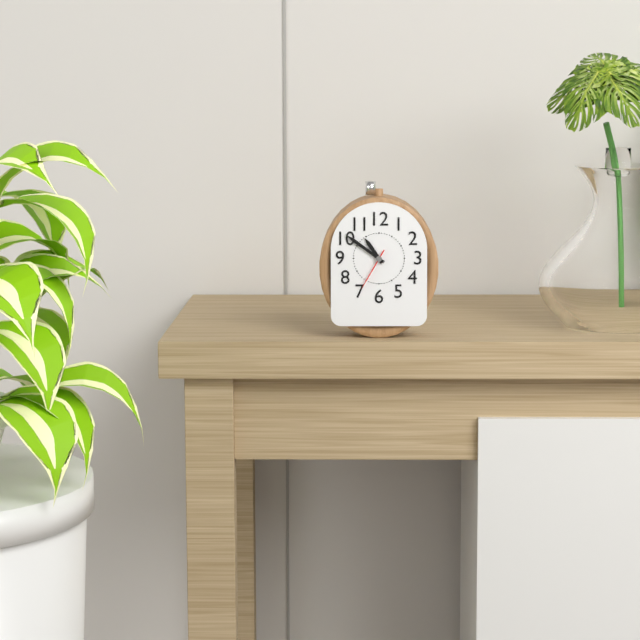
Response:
10h51
